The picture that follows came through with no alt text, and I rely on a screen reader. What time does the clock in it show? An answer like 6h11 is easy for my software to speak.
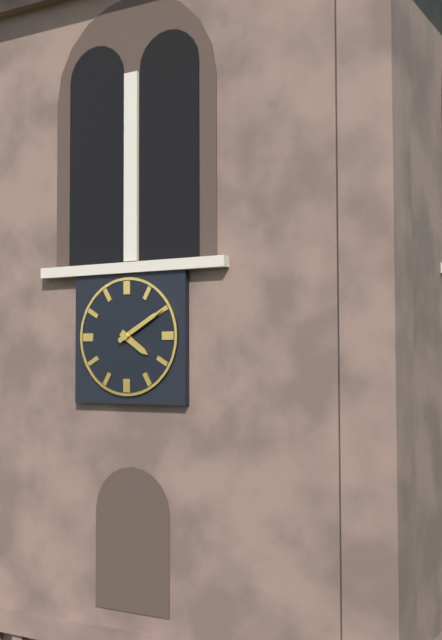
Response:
4h10
